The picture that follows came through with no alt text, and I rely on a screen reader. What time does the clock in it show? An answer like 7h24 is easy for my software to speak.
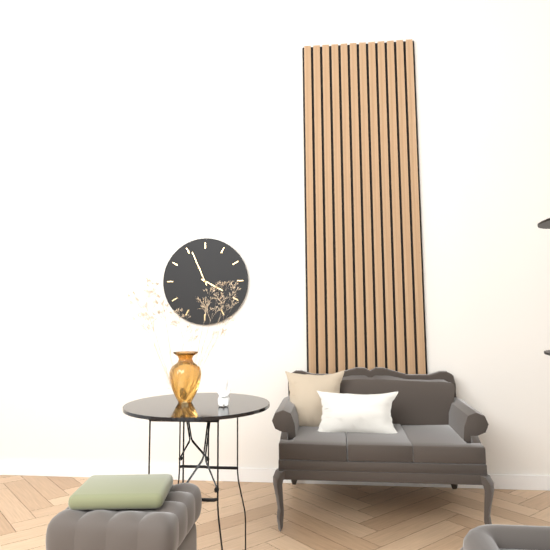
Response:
3h56
